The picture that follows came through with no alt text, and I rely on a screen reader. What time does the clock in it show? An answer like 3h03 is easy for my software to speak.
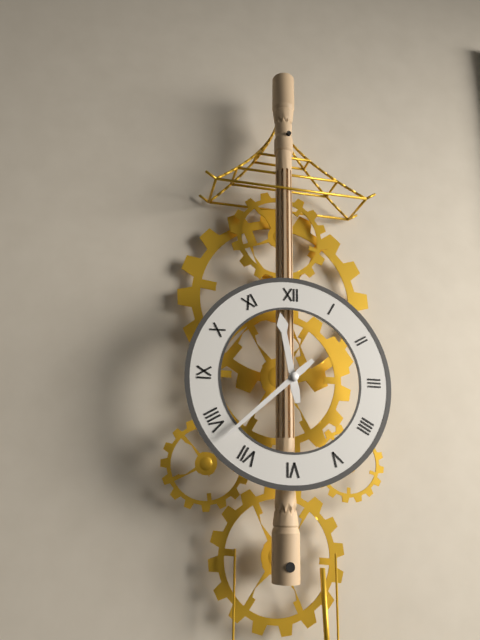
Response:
11h38
